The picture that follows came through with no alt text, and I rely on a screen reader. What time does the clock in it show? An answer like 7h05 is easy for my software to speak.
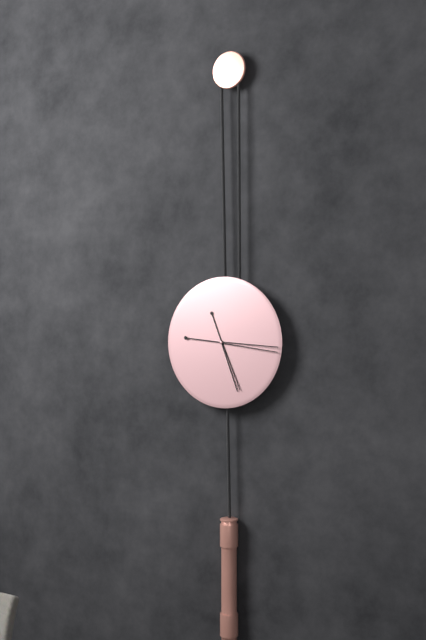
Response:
5h16
